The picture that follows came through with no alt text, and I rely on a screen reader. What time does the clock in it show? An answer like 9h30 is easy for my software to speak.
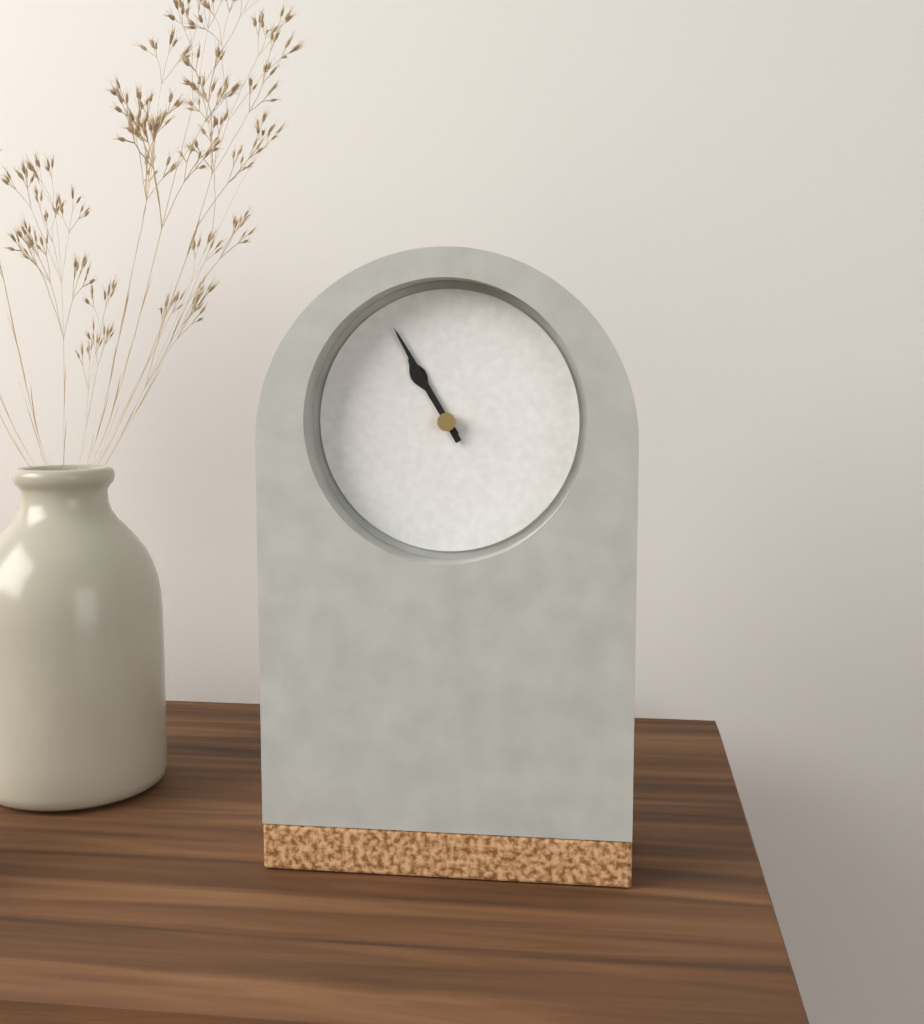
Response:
10h55
